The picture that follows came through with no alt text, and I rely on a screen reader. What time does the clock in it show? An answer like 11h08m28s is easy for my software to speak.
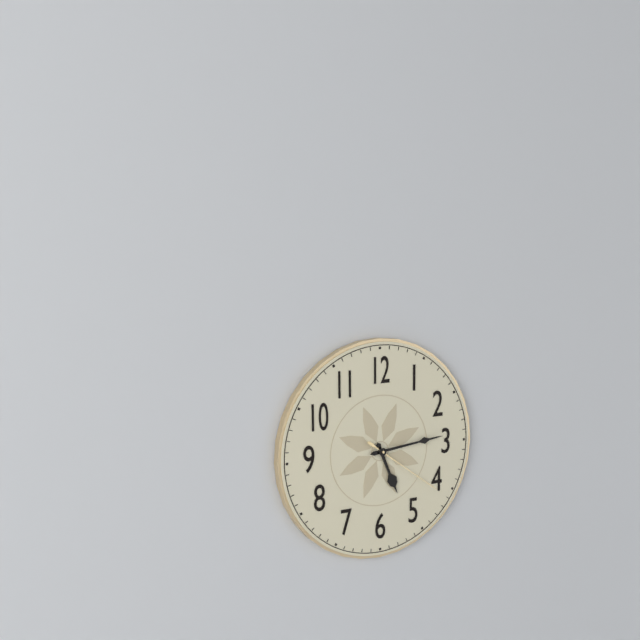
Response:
5h14m21s
